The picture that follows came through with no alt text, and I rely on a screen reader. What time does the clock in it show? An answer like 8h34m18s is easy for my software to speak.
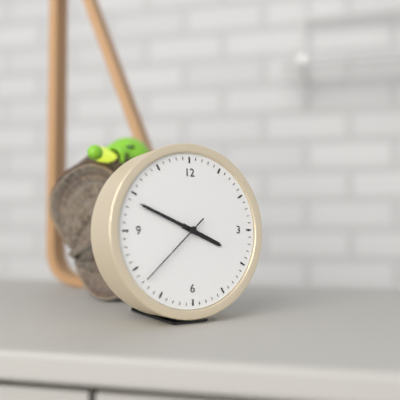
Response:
3h49m38s
